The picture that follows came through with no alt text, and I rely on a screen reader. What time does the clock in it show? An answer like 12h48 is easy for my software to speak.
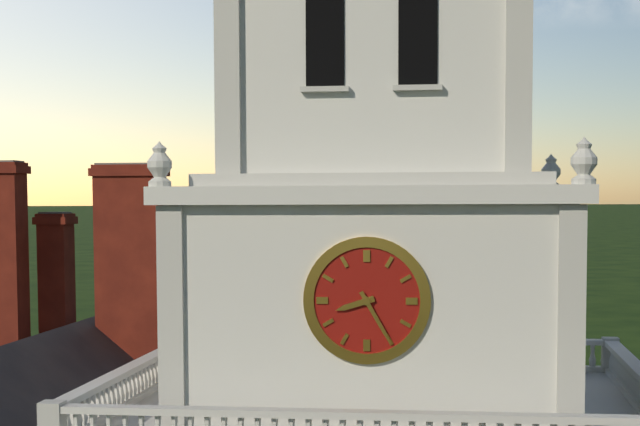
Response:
8h25
